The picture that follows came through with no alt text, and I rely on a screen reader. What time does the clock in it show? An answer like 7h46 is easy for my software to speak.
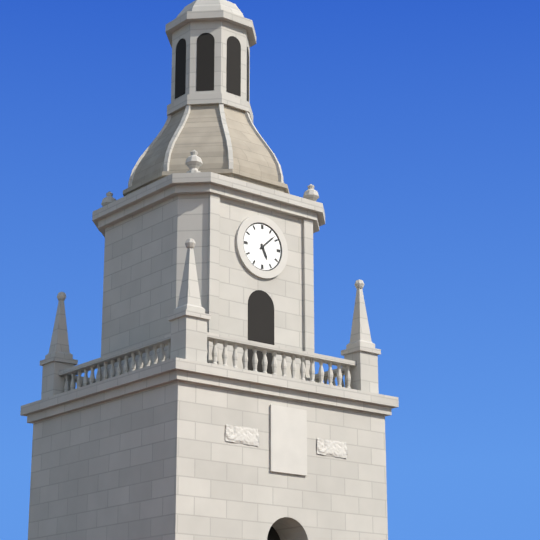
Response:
5h08
